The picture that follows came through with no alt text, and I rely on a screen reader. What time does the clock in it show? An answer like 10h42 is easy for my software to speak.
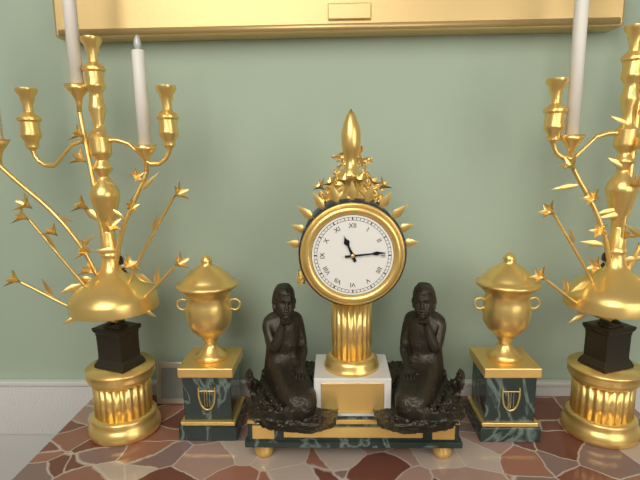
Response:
11h14
